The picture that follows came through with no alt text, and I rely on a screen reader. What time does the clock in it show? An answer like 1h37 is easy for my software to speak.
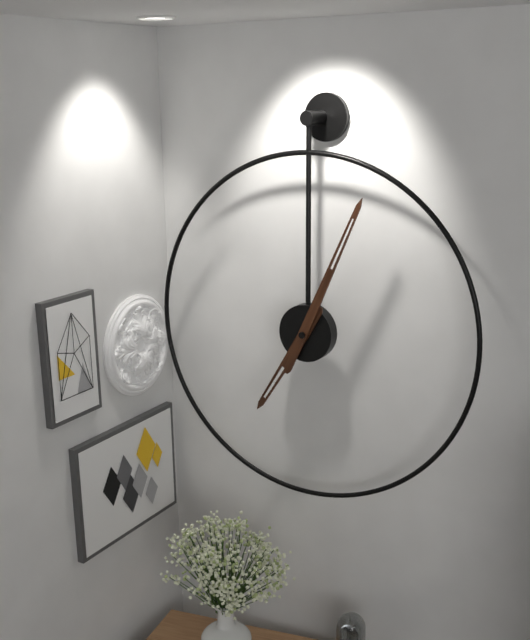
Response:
7h04
